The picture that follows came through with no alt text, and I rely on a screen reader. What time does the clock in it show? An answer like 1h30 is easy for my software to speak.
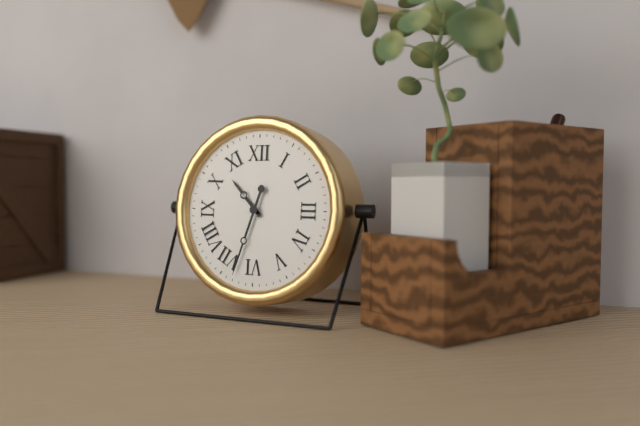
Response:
10h33
